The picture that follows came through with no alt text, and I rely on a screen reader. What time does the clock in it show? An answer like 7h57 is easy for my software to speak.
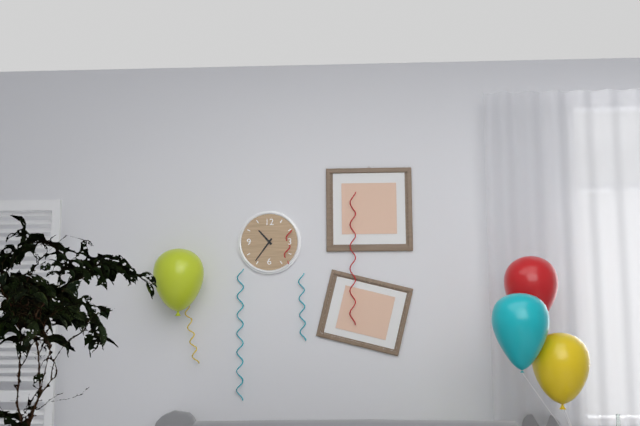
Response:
10h36
